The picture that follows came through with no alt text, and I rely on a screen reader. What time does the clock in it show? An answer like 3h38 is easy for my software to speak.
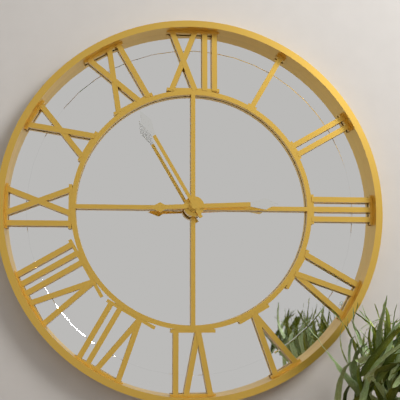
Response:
2h55
